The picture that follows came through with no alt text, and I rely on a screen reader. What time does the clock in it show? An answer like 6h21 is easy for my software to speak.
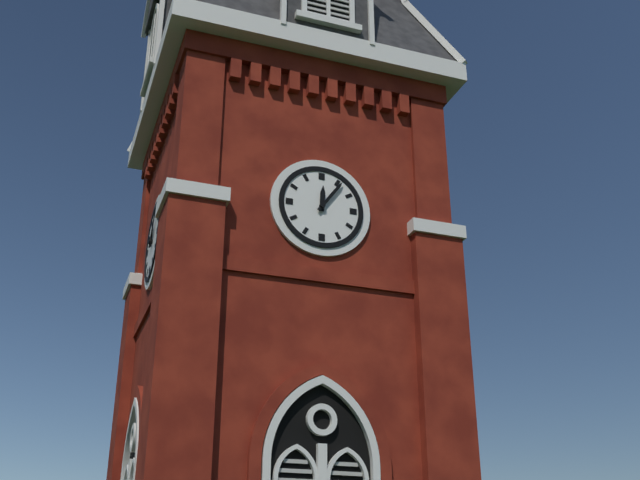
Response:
12h06
